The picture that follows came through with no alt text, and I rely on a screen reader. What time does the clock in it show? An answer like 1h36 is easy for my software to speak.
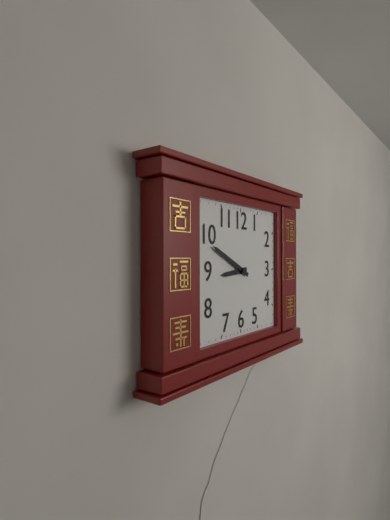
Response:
8h49
